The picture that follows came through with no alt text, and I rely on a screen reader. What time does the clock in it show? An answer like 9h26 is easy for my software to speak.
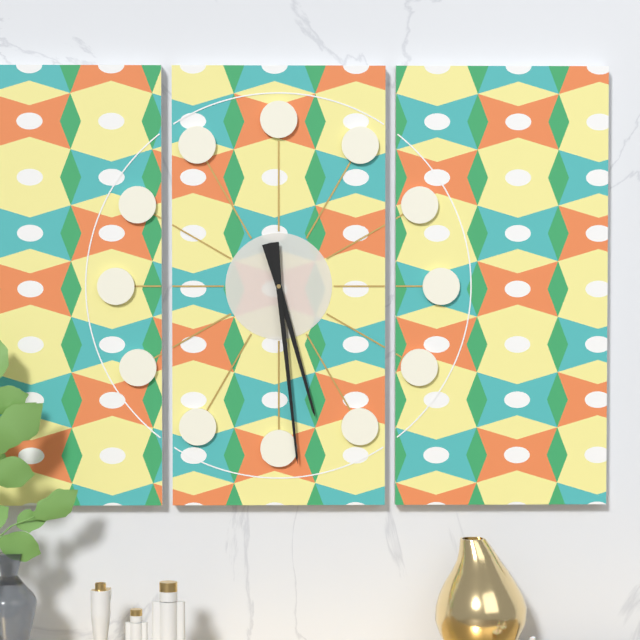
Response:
5h29
